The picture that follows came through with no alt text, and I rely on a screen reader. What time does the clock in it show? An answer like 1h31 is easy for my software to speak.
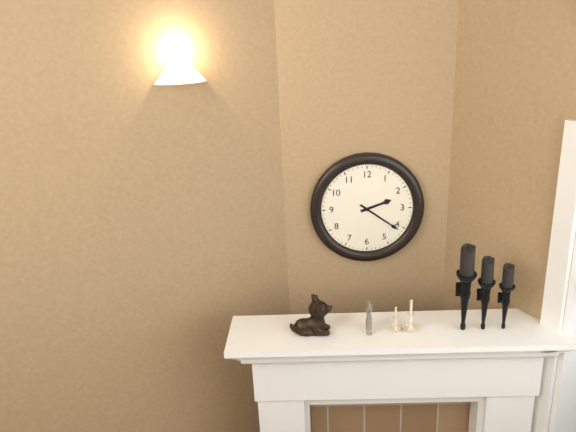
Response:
2h21
